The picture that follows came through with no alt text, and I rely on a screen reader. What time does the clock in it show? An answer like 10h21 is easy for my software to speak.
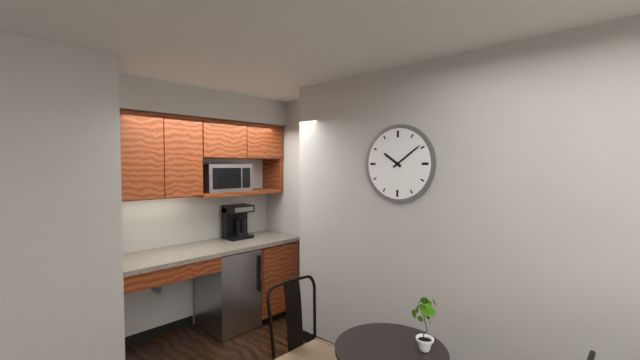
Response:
10h09
